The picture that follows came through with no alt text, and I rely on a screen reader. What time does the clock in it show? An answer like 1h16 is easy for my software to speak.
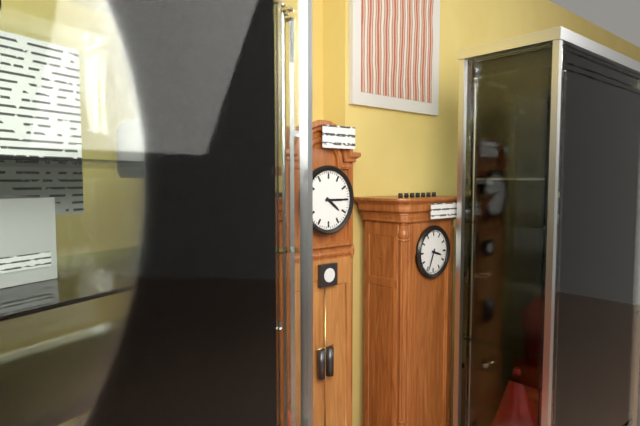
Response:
4h15
